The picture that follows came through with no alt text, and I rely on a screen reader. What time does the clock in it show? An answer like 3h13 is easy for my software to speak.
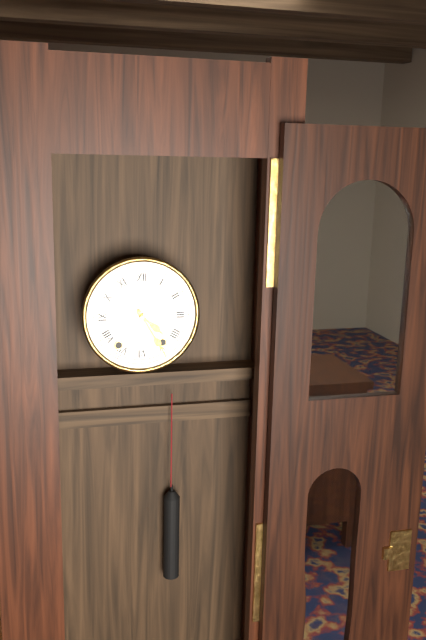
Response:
4h25
